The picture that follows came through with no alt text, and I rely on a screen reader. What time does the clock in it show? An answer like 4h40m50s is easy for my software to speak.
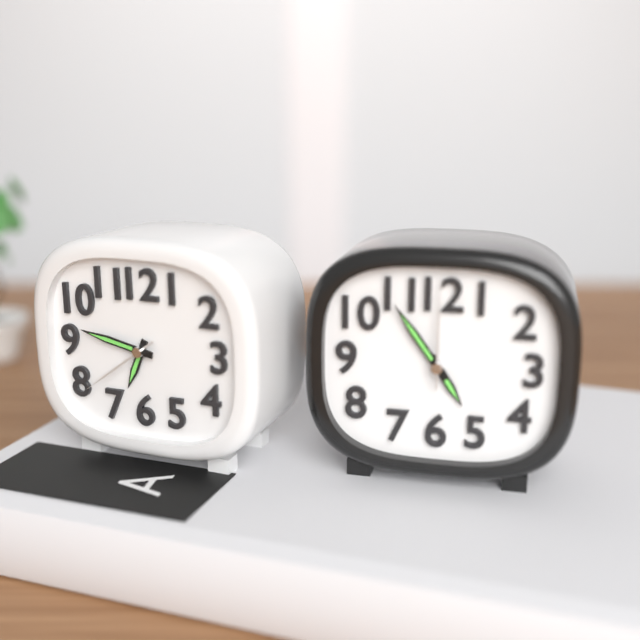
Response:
6h47m39s
